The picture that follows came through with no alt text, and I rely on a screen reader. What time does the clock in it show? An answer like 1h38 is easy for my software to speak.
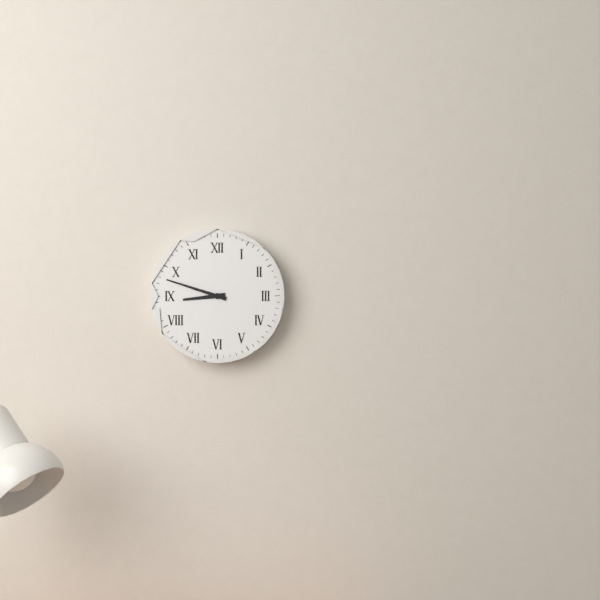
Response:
8h48
